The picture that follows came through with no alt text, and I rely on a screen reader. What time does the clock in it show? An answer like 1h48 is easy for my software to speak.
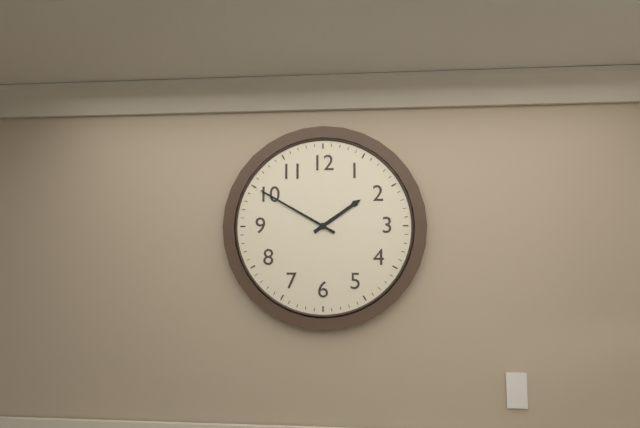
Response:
1h50
